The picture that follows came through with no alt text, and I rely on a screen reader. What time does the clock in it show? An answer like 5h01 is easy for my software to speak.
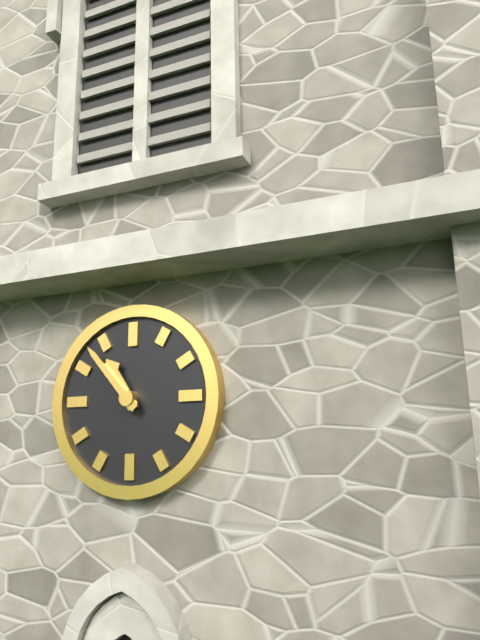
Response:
10h53
